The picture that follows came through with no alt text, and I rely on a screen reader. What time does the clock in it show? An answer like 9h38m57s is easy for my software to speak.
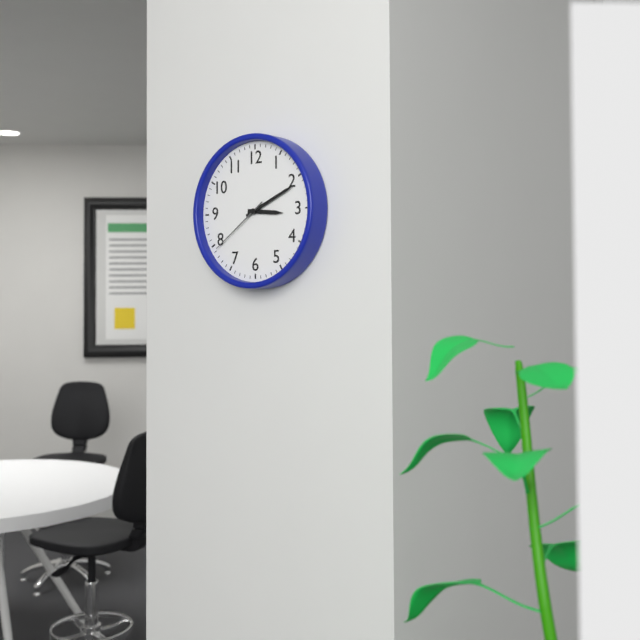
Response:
3h11m39s
